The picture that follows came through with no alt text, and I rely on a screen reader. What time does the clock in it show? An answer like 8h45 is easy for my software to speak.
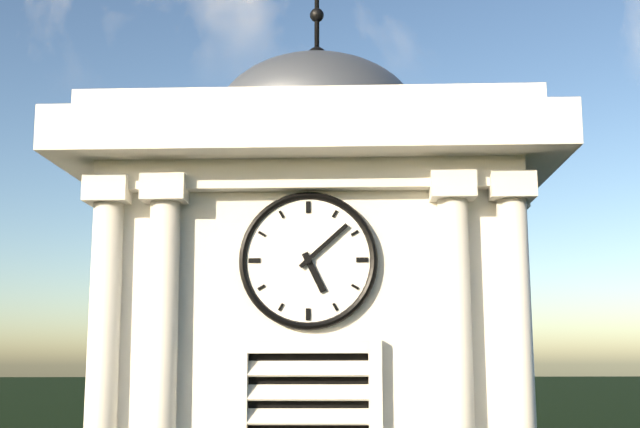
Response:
5h08
